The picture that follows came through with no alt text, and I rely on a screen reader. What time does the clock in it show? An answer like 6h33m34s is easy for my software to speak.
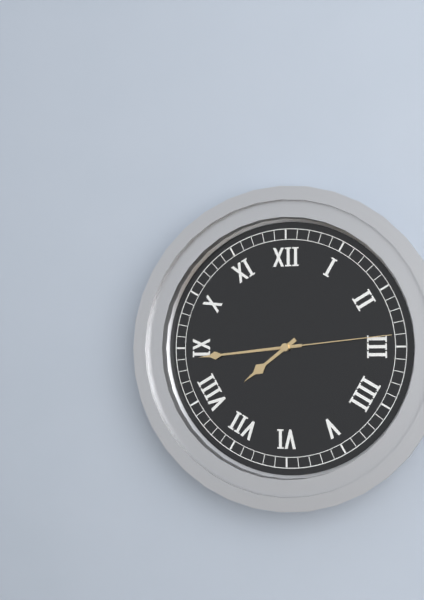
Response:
7h44m14s
